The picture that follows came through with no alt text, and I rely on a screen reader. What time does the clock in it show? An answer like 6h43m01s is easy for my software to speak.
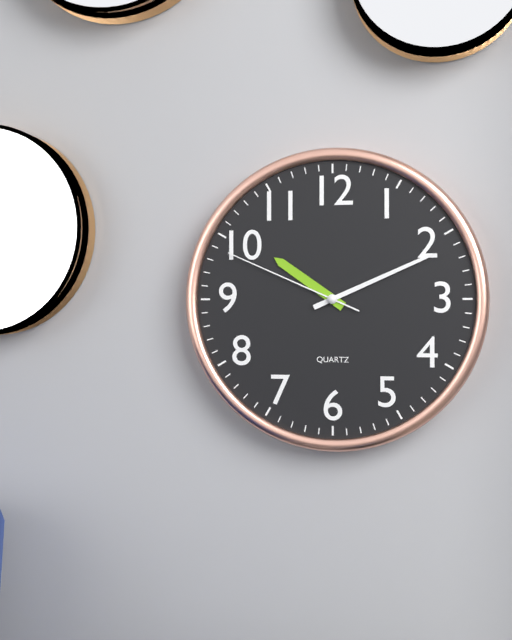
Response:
10h11m49s
